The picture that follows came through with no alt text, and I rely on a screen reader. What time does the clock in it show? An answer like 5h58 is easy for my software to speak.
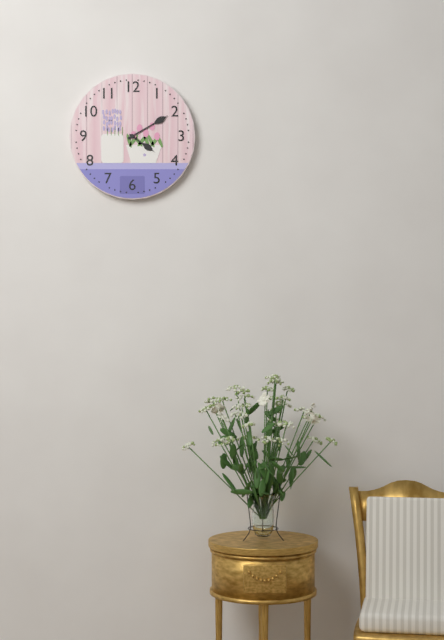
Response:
4h10
